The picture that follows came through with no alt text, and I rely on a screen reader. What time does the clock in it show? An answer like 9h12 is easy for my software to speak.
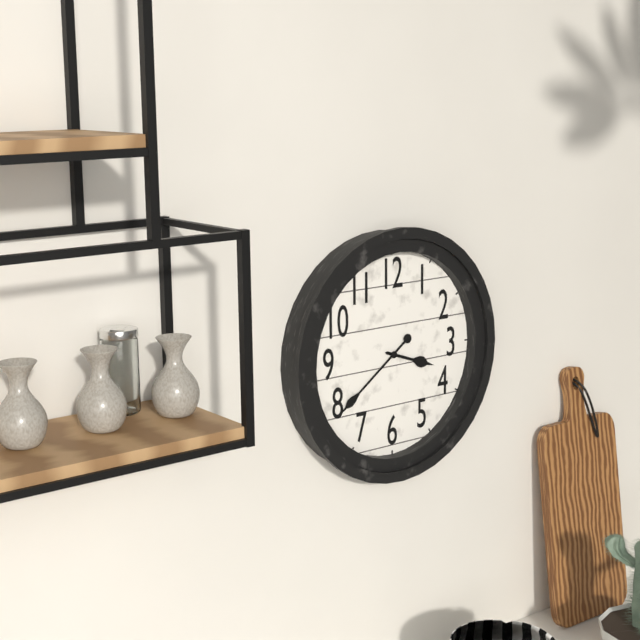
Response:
3h39
